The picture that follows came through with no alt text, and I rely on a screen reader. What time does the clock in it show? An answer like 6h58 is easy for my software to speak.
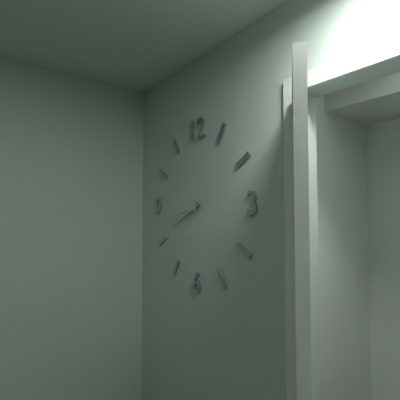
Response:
8h41
